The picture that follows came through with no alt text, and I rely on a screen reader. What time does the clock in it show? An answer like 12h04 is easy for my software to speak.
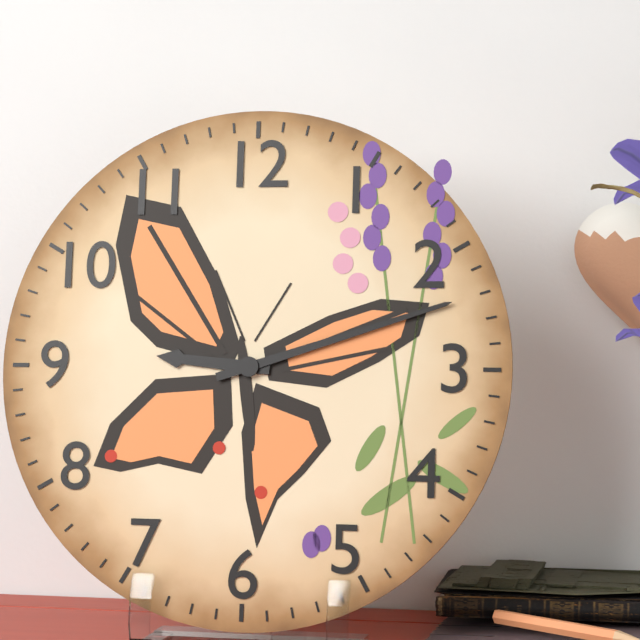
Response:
9h12
